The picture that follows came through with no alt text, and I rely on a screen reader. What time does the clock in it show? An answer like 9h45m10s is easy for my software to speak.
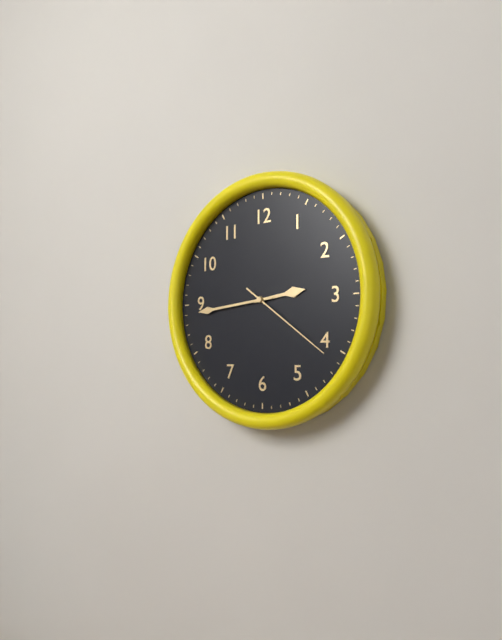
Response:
2h44m21s
